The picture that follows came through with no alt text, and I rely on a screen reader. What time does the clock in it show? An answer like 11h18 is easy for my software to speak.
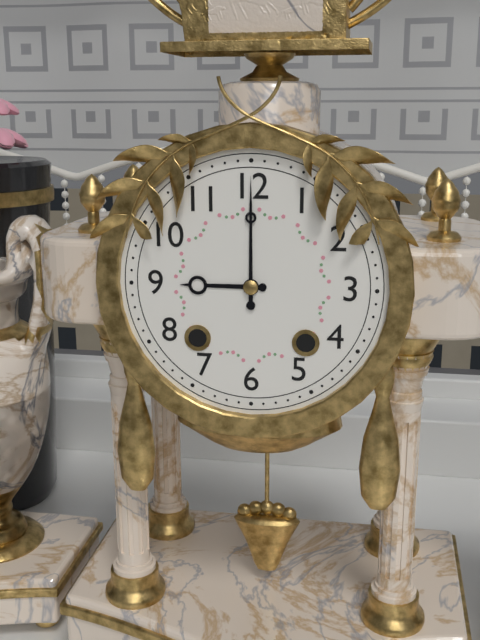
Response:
9h00
